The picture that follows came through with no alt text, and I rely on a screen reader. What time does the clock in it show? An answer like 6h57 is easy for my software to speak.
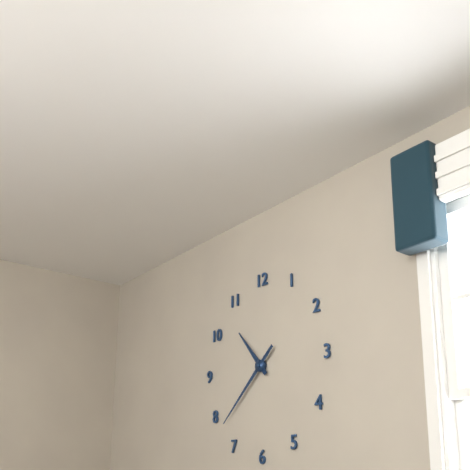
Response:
10h38
